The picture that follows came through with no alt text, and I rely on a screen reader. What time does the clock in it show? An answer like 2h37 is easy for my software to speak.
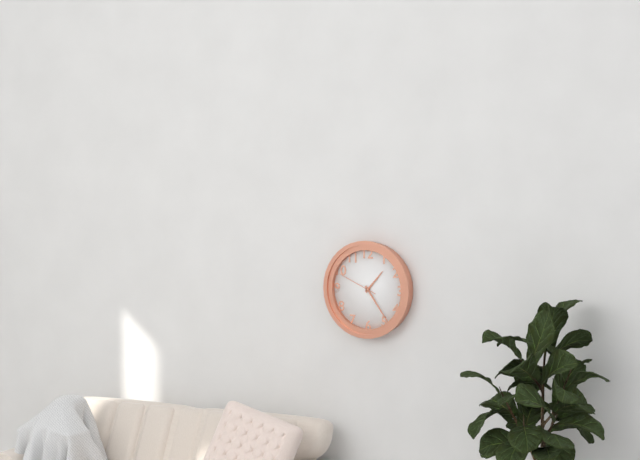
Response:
1h24
